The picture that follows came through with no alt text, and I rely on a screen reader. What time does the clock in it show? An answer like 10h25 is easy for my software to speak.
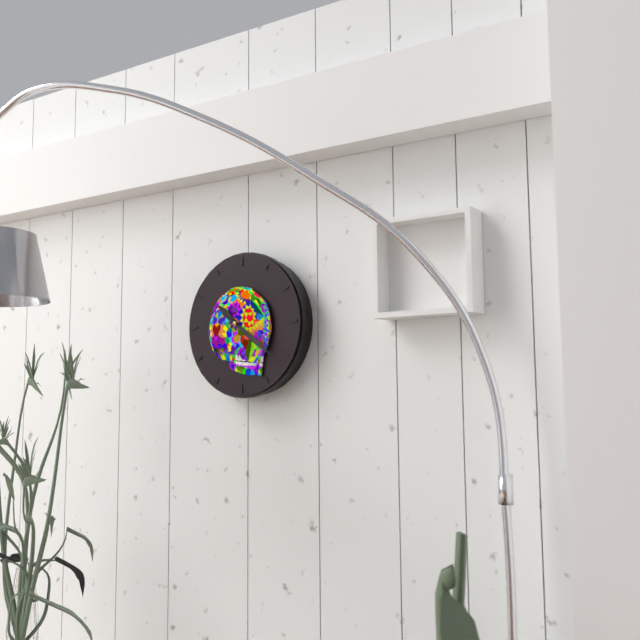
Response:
10h21
